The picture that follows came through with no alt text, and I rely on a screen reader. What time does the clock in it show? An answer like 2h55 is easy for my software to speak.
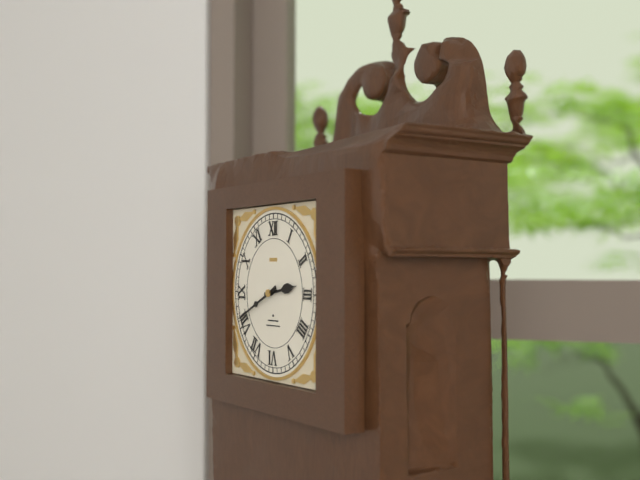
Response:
2h41
